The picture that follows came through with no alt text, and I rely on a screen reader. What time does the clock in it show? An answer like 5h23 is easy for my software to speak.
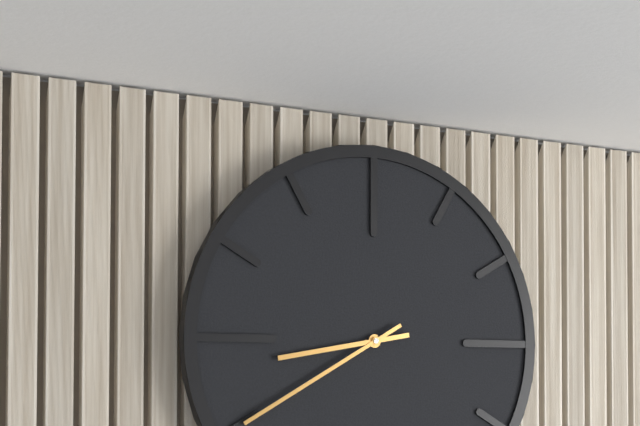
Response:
8h40
